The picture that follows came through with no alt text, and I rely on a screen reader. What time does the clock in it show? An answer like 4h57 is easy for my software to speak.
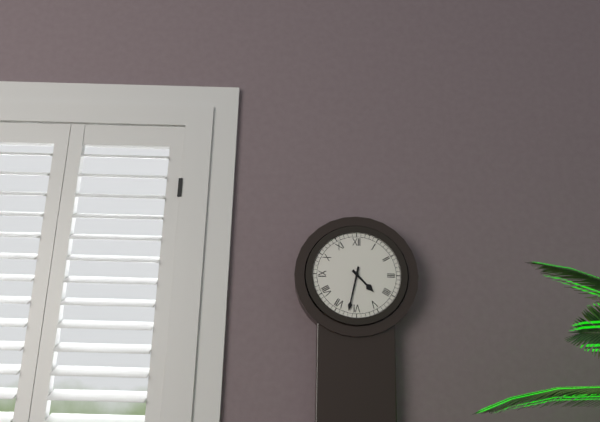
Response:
4h32
